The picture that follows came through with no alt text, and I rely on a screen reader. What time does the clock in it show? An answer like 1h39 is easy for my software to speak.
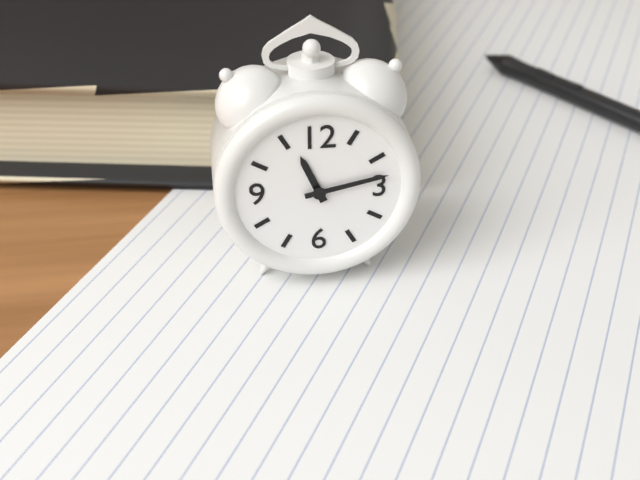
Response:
11h13
